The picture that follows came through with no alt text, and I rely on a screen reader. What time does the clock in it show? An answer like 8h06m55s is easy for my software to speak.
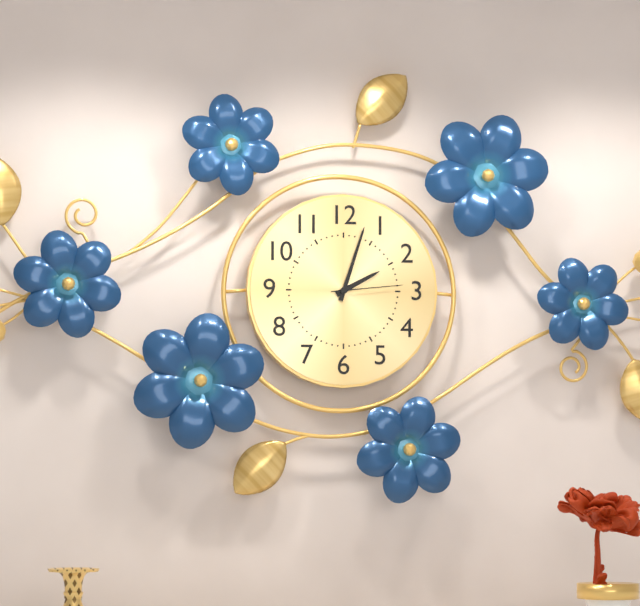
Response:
2h03m14s
